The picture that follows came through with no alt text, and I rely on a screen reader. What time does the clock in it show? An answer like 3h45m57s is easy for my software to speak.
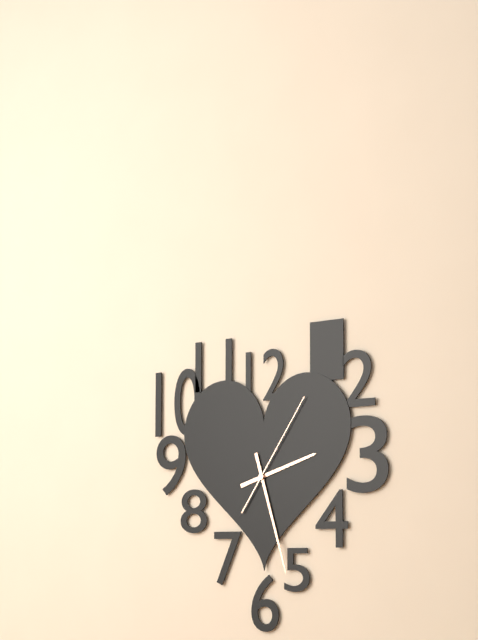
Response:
2h27m06s
